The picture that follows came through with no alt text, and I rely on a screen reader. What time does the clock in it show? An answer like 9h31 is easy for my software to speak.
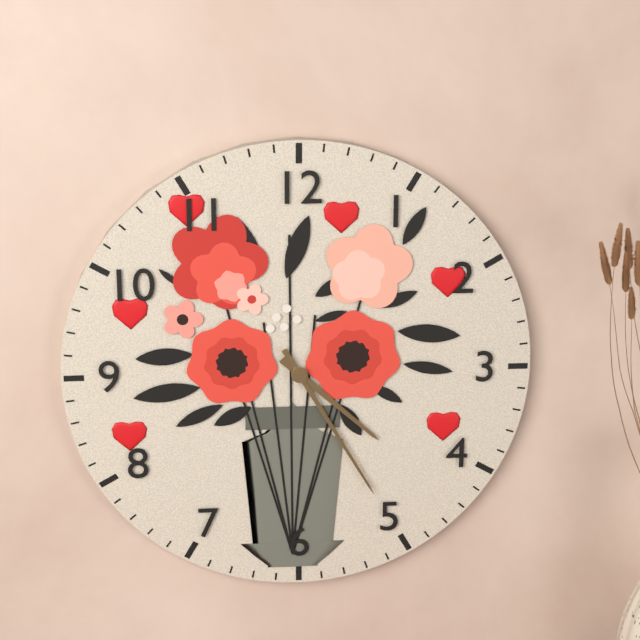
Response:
4h25
